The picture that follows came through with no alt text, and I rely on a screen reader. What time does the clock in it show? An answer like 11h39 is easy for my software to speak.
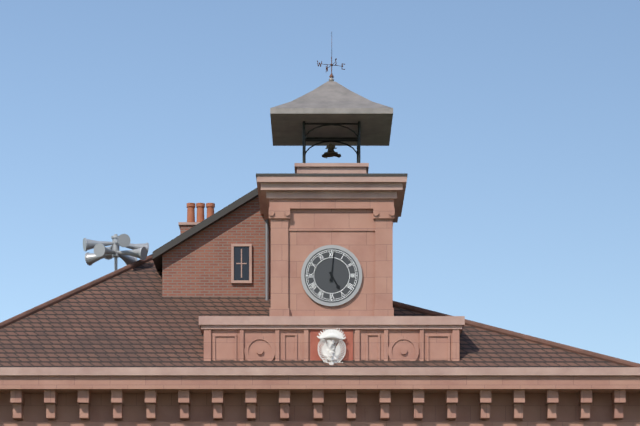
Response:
5h01
